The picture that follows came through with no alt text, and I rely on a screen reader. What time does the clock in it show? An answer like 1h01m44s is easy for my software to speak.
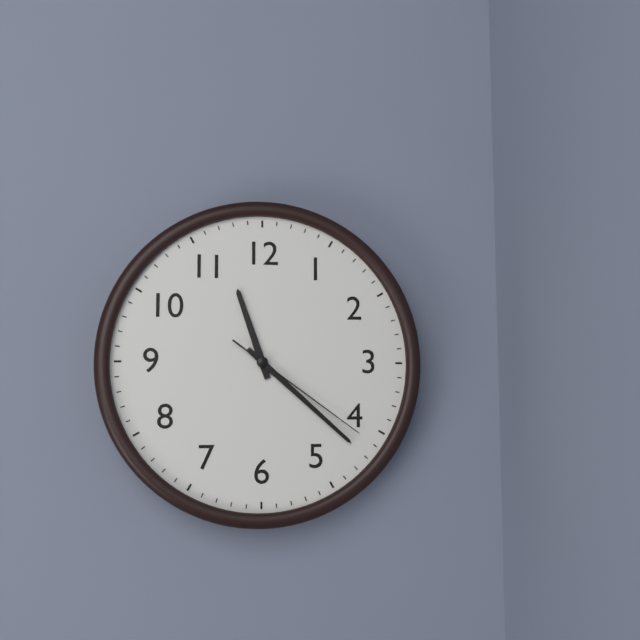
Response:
11h22m21s
